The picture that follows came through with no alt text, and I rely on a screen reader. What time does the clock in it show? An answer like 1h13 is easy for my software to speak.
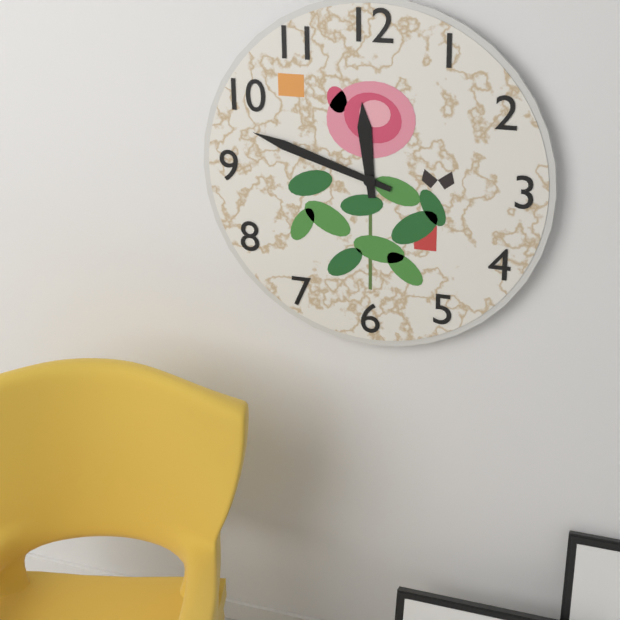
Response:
11h48
